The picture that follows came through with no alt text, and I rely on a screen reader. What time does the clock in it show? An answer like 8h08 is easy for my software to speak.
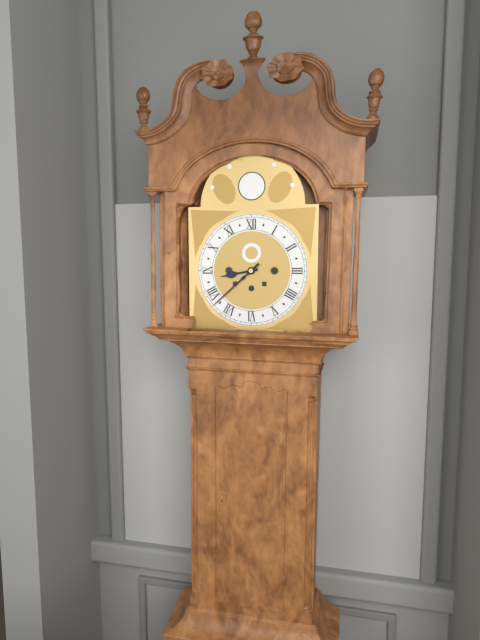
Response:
8h38
